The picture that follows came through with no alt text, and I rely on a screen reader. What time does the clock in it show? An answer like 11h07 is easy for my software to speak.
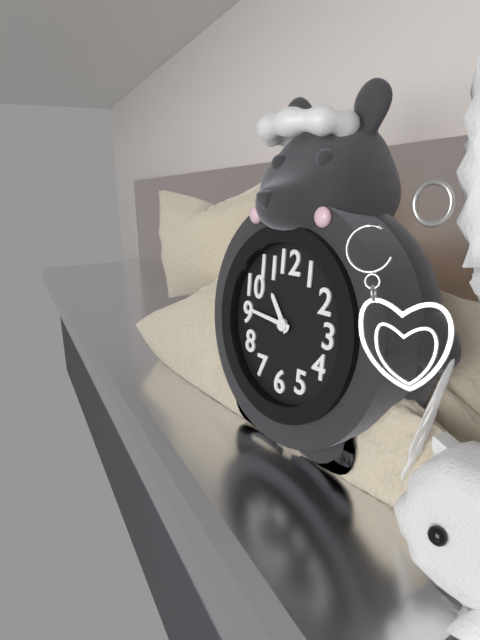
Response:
10h46
